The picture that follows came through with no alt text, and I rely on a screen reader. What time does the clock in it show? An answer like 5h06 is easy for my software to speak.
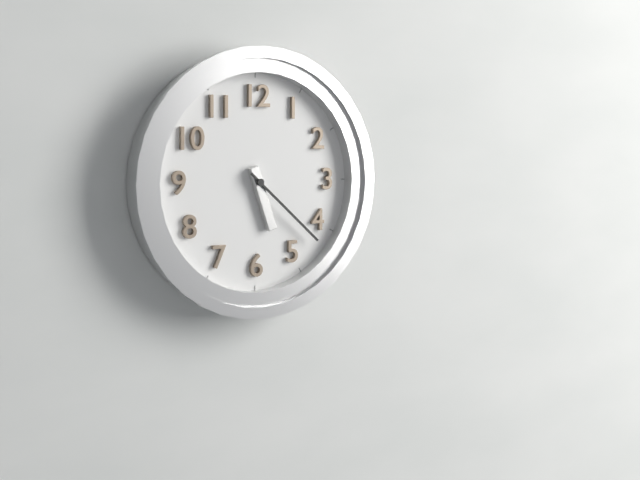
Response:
5h22
